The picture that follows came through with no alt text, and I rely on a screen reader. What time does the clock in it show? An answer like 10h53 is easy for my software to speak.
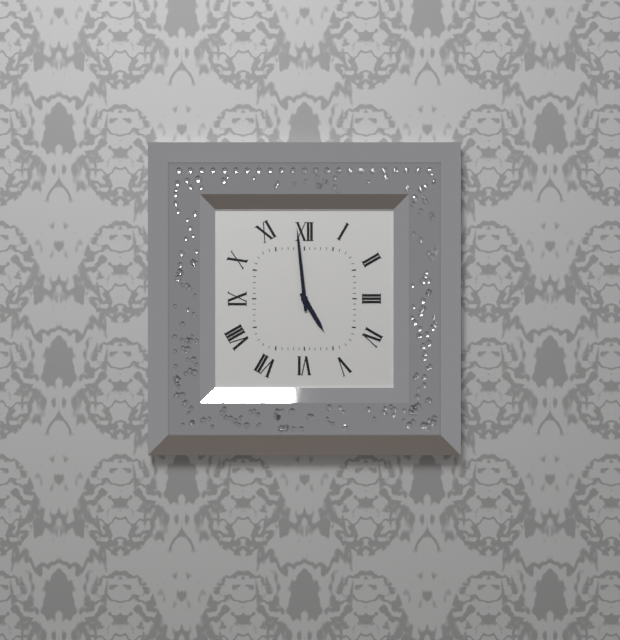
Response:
4h59
